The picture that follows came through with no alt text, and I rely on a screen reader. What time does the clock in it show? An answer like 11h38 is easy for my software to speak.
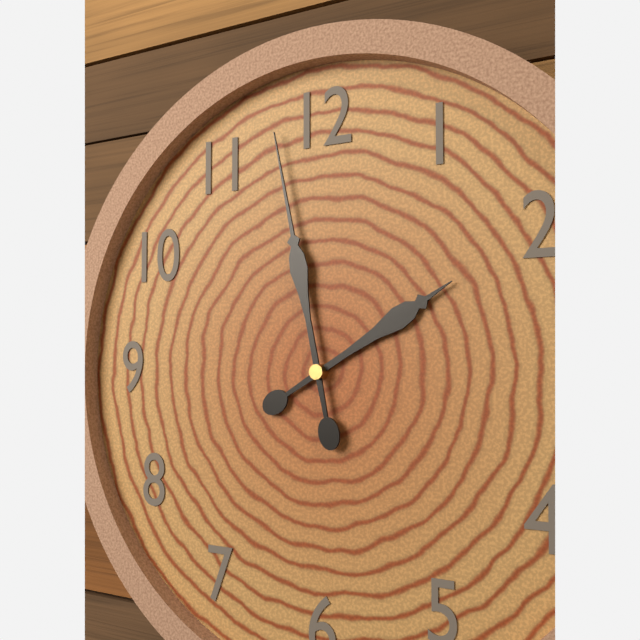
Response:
1h58
